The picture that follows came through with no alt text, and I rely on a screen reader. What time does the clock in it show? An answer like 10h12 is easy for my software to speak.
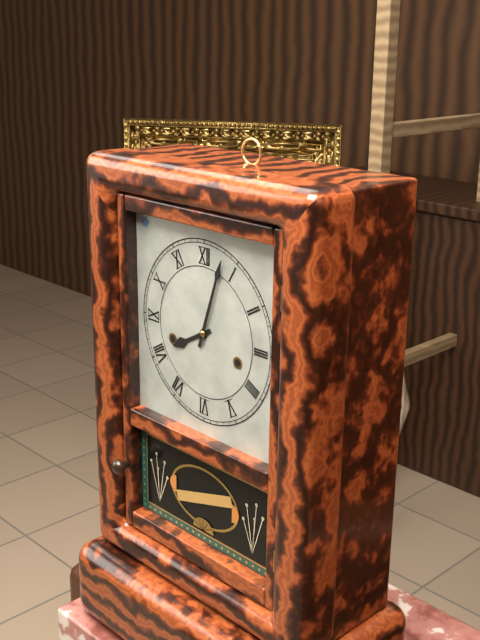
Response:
8h03
